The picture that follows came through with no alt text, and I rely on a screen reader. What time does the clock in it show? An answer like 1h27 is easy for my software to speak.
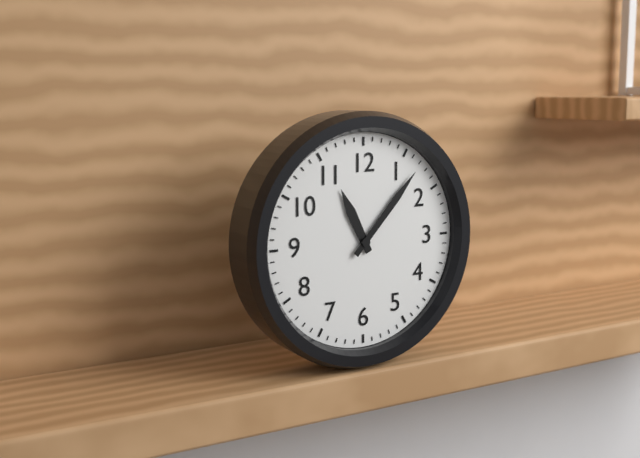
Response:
11h07
